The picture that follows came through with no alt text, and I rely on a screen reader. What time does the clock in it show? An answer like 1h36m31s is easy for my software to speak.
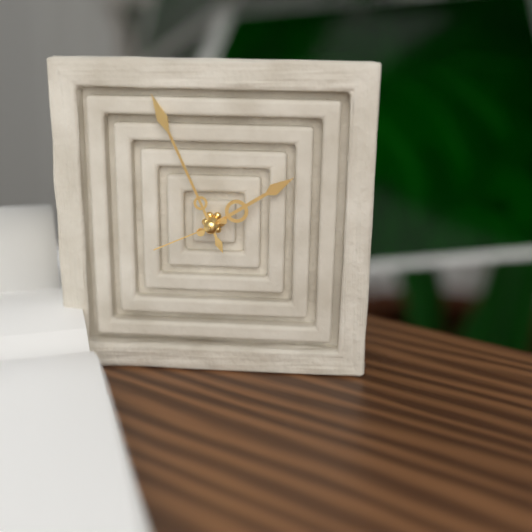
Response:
1h56m41s
